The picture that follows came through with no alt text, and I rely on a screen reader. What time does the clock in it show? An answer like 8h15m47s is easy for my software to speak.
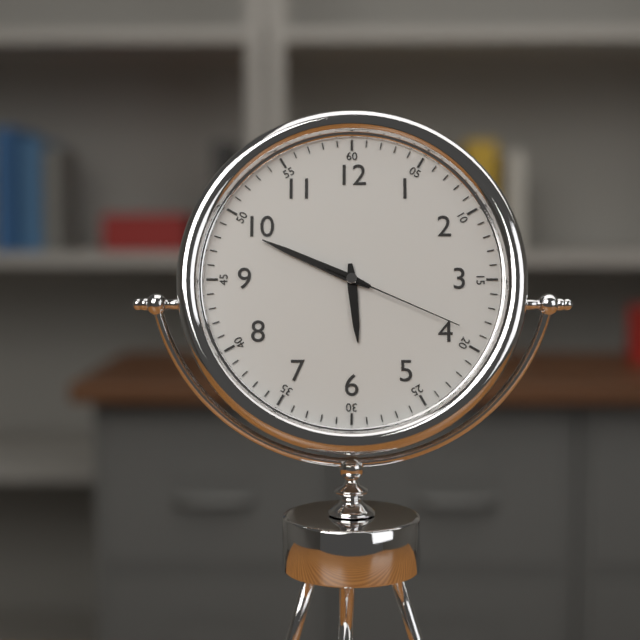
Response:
5h49m19s
